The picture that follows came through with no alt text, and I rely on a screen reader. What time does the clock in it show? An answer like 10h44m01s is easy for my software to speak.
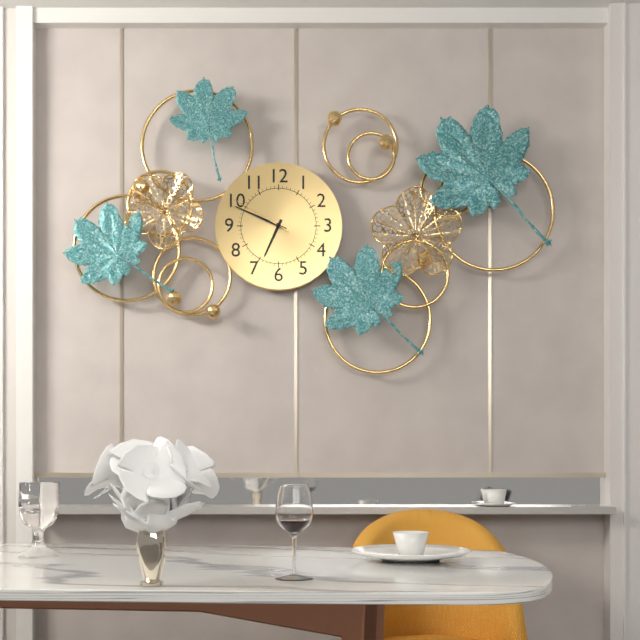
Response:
6h49m50s
